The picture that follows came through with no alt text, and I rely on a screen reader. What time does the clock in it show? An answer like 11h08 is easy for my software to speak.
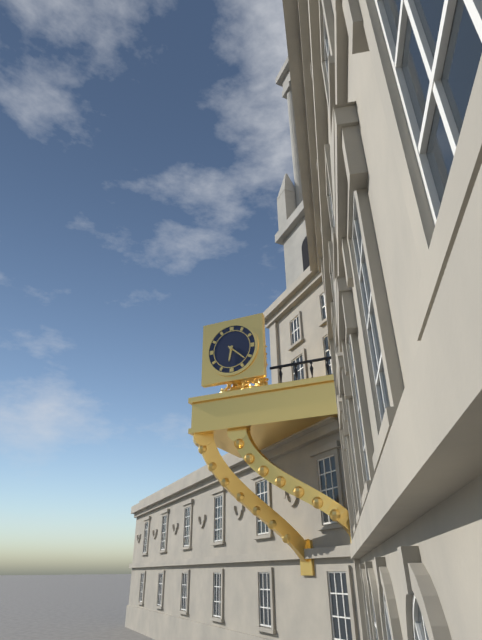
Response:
6h22
